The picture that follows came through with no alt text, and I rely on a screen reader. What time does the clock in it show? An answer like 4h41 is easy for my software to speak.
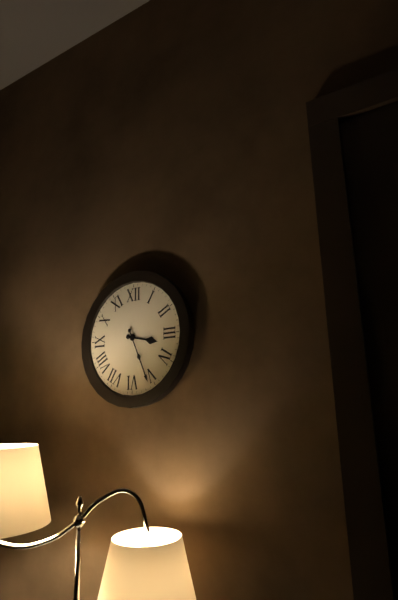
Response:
3h26
